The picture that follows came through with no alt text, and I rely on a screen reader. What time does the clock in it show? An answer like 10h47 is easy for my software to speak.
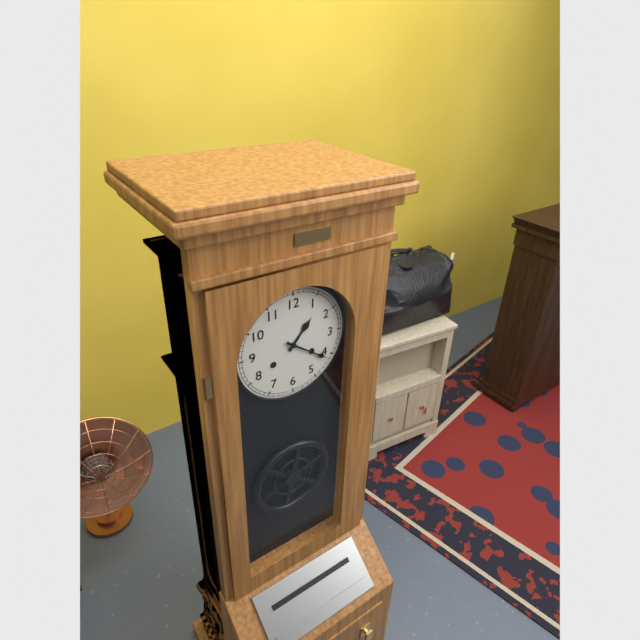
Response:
1h21
